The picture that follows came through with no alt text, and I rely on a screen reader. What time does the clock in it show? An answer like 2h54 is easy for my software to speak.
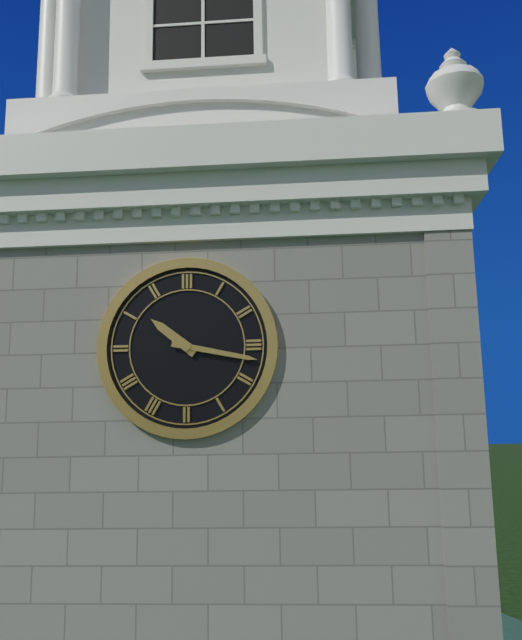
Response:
10h17
